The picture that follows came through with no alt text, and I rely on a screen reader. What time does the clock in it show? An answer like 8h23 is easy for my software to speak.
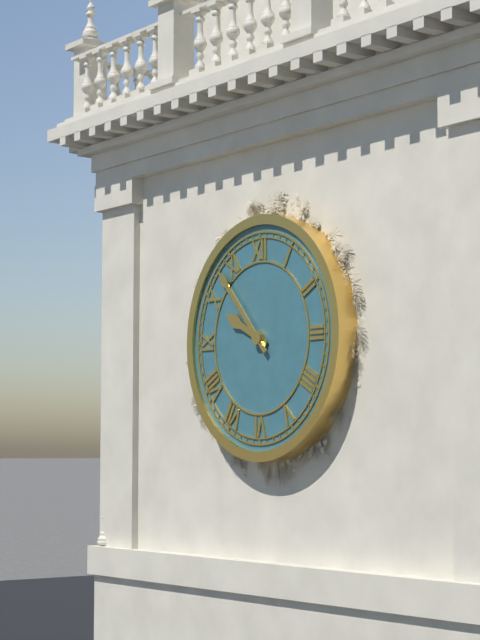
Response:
9h53
